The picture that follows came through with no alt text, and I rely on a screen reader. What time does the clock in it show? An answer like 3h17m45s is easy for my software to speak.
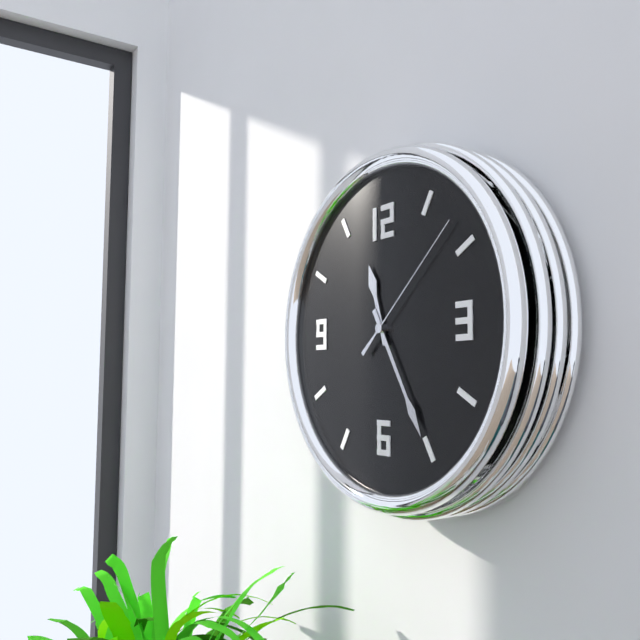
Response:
11h25m08s
